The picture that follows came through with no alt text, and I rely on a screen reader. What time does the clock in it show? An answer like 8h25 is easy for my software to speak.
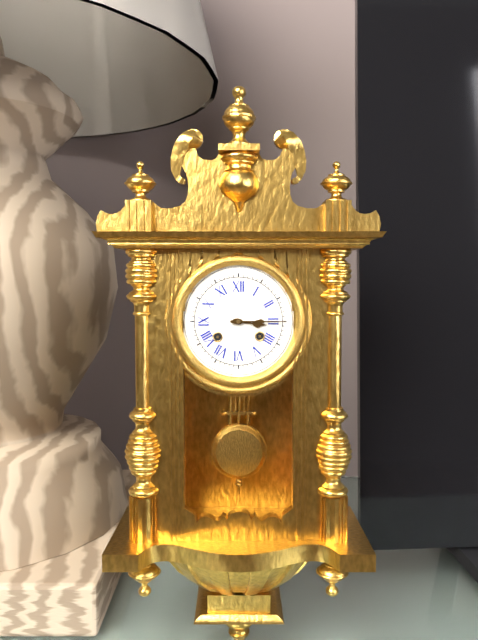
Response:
3h15
